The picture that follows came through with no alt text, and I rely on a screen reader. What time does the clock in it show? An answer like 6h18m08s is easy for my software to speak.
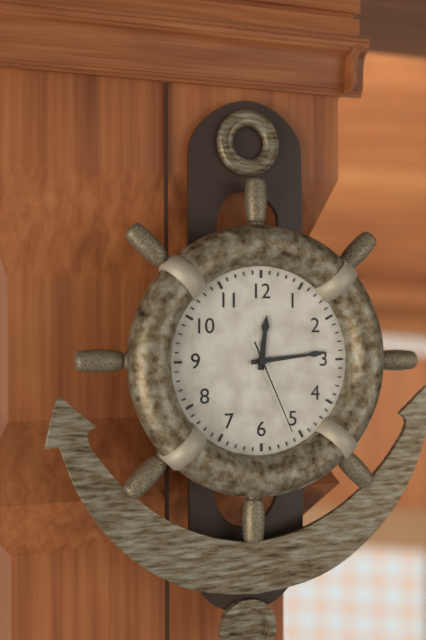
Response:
12h14m26s
